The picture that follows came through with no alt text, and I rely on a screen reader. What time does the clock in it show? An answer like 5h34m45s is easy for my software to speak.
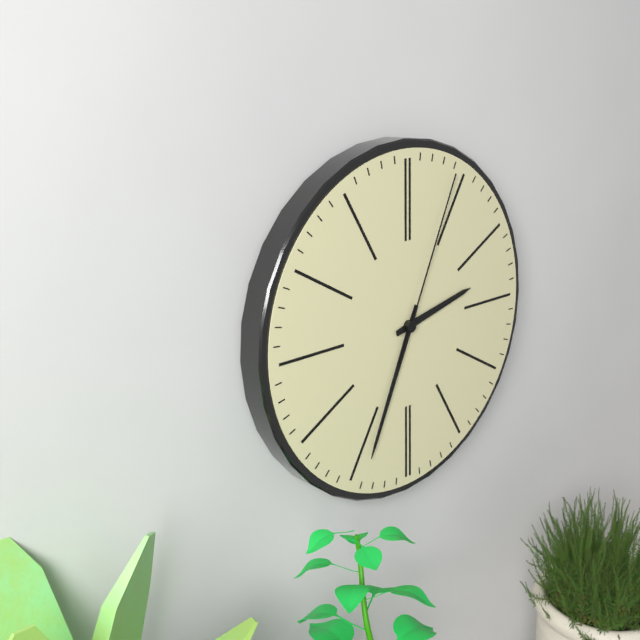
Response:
2h34m04s
